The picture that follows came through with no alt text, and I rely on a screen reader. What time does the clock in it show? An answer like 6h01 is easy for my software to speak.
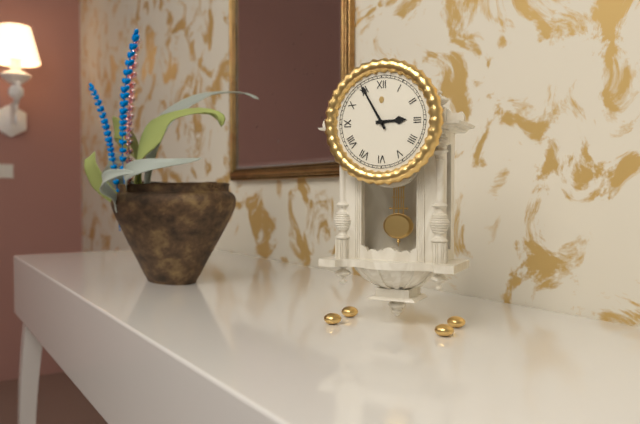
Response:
2h55
